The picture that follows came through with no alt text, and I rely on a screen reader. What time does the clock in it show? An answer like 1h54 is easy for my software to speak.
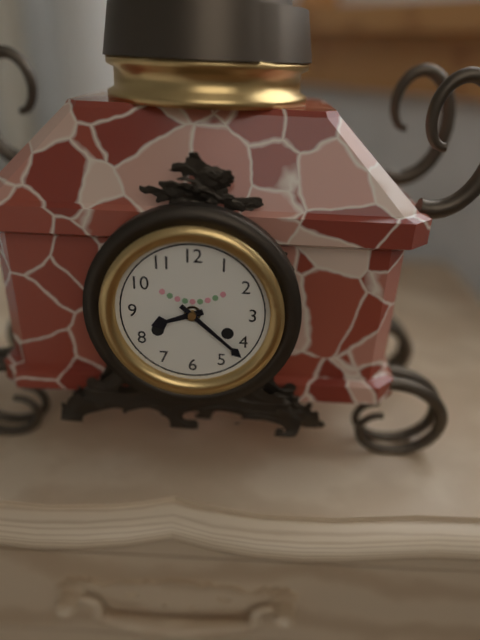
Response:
8h22
